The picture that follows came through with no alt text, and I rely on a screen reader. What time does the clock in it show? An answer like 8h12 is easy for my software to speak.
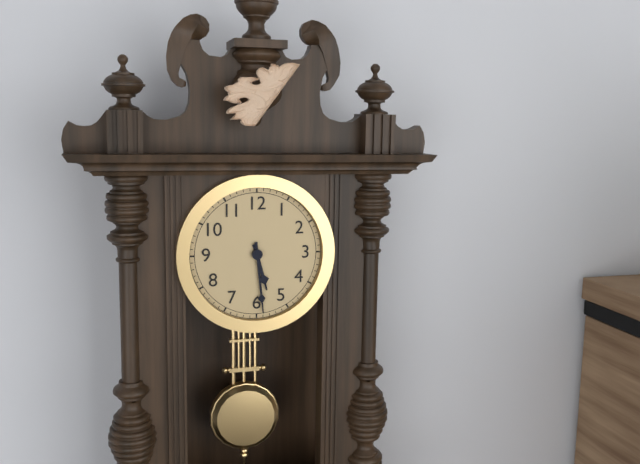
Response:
5h29
